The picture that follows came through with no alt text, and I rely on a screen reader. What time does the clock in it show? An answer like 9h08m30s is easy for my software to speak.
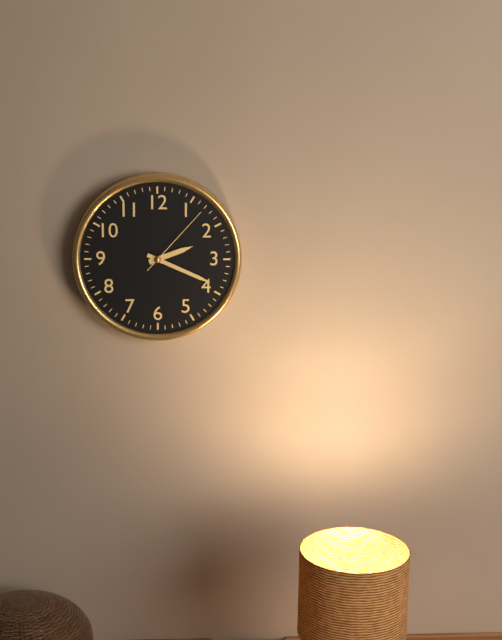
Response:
2h19m07s
